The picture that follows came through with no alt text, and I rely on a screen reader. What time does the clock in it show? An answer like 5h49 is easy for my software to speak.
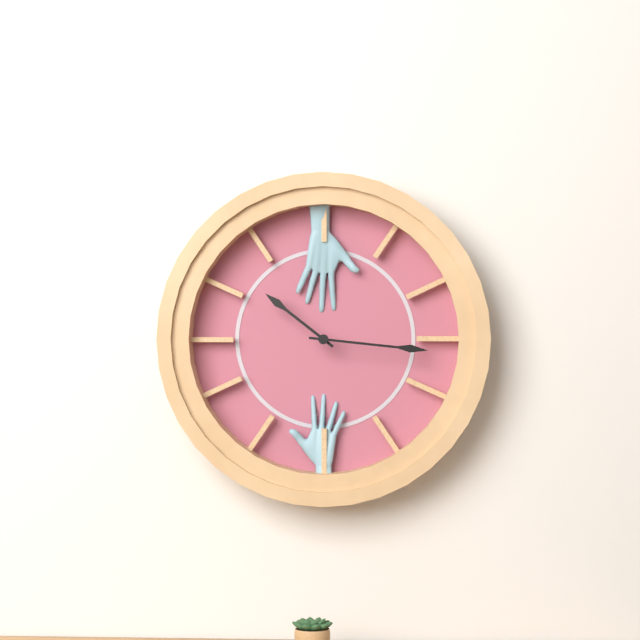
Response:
10h16
